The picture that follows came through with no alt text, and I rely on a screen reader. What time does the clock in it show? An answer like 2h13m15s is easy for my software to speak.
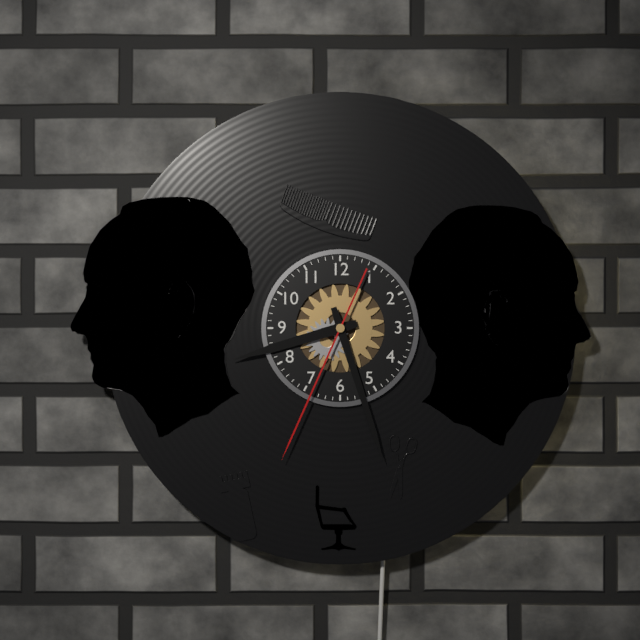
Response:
8h27m34s
